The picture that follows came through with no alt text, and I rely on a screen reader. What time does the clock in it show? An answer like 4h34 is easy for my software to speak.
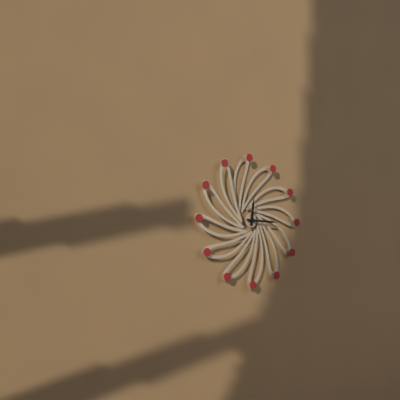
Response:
12h15
